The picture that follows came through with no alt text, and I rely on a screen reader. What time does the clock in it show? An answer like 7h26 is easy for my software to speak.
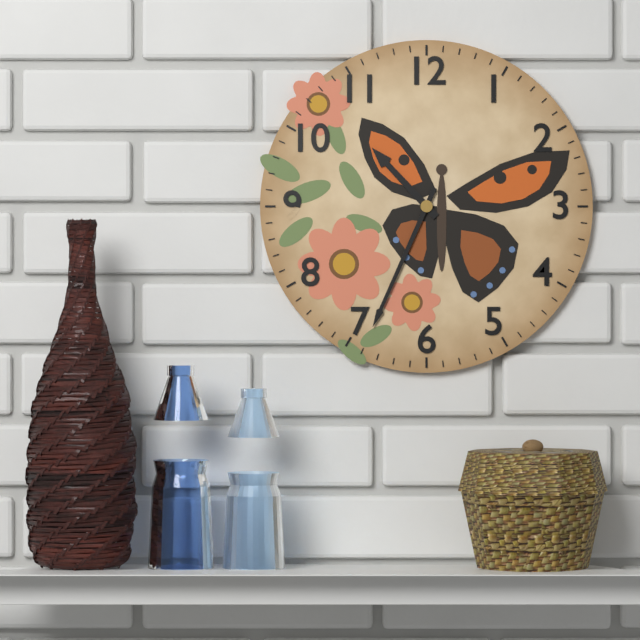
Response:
10h34
